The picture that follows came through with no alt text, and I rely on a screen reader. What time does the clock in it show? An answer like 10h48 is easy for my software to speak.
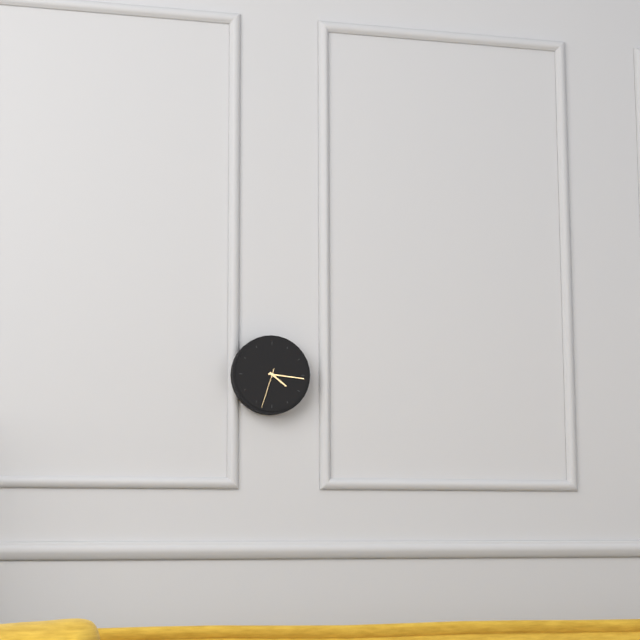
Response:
4h16
